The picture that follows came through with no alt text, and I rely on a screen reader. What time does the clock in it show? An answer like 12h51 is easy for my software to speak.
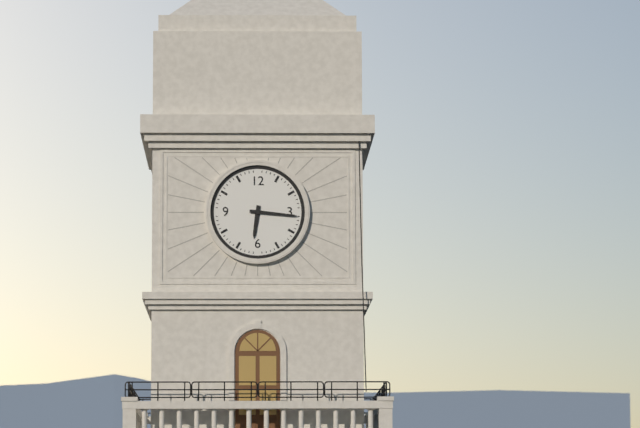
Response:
6h16
